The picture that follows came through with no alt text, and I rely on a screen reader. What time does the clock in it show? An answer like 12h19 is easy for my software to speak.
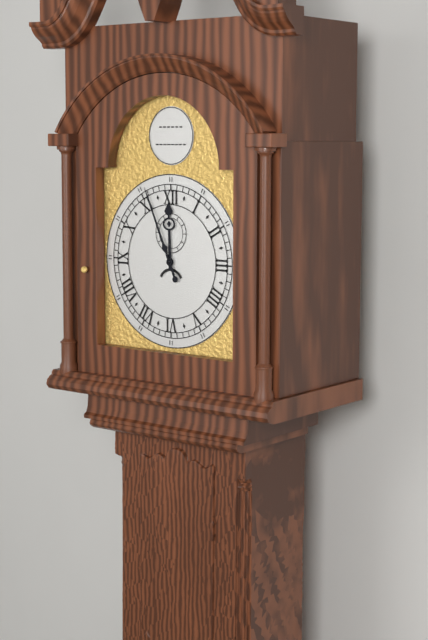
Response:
11h56
